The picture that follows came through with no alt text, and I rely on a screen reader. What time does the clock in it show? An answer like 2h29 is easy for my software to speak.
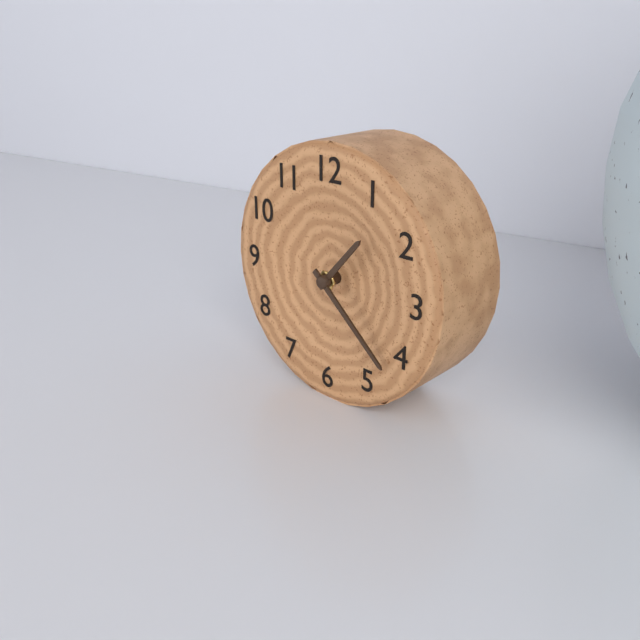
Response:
1h22
